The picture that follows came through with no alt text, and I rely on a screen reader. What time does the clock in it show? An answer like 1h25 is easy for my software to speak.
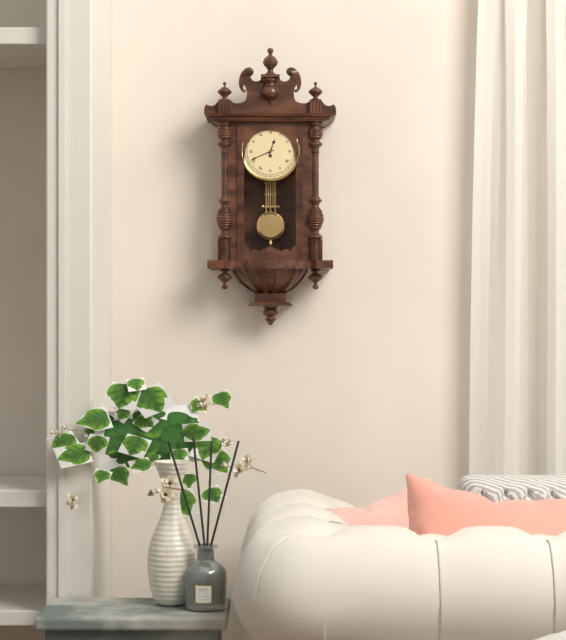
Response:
12h41
